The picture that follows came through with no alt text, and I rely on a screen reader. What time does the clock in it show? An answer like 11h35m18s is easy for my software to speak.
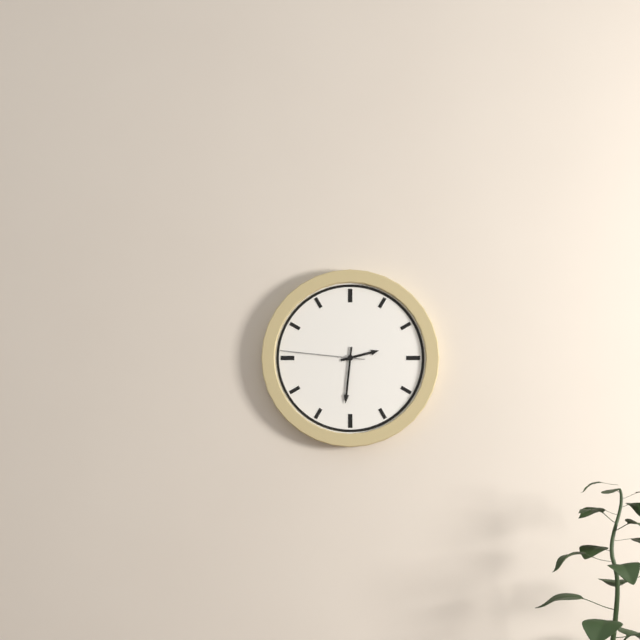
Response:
2h31m46s
